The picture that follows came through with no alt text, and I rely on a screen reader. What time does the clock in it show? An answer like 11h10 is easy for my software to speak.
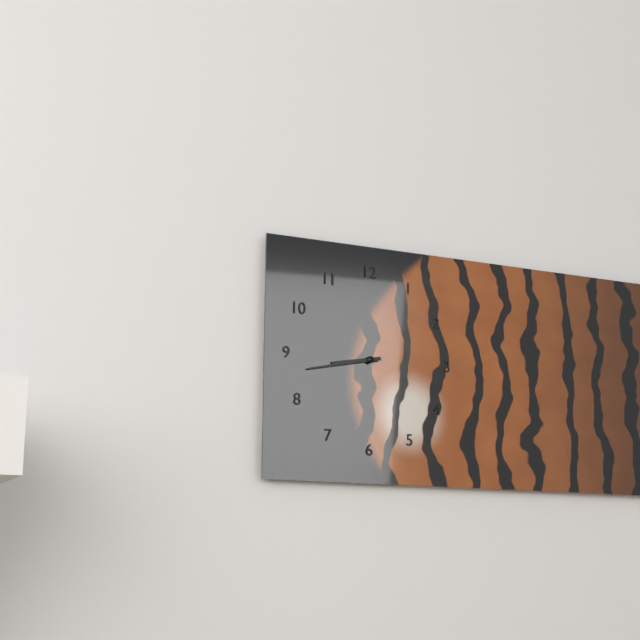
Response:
8h43
